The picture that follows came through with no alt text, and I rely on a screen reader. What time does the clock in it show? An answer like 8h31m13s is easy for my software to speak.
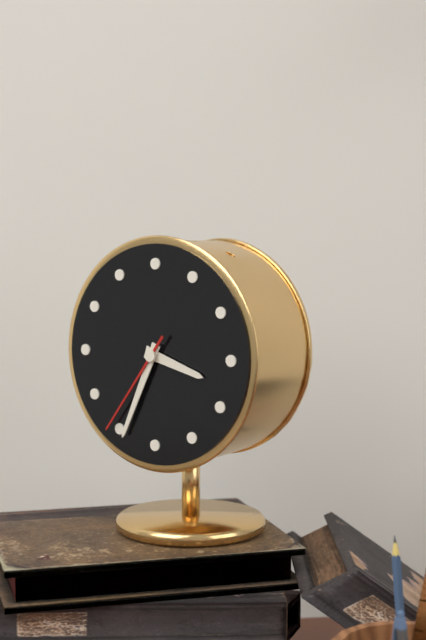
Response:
3h34m36s
